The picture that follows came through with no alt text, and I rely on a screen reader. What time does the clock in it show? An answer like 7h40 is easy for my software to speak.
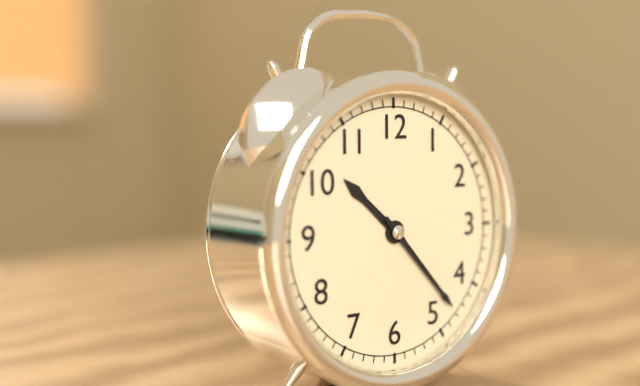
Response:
10h23
